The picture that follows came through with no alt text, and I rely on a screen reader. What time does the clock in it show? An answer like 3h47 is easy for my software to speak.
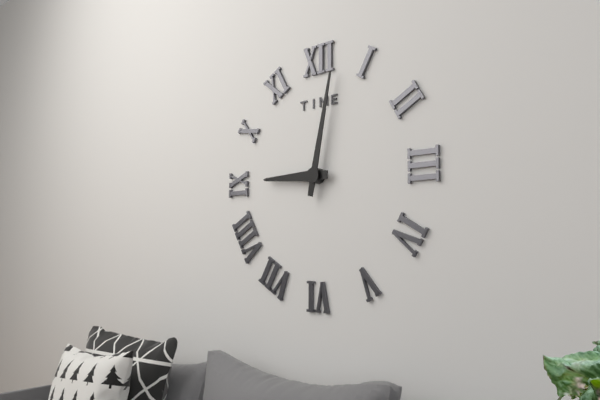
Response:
9h02
